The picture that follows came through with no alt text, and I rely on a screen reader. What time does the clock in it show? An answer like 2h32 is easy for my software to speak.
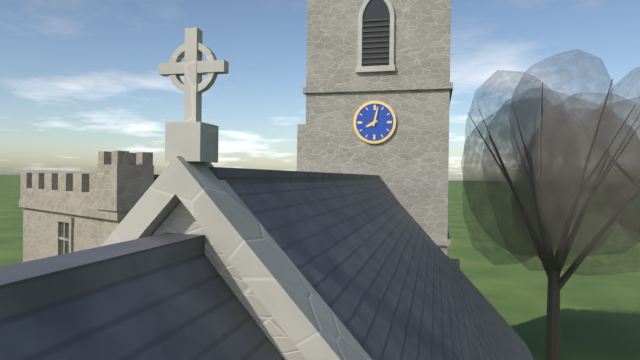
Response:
8h02
